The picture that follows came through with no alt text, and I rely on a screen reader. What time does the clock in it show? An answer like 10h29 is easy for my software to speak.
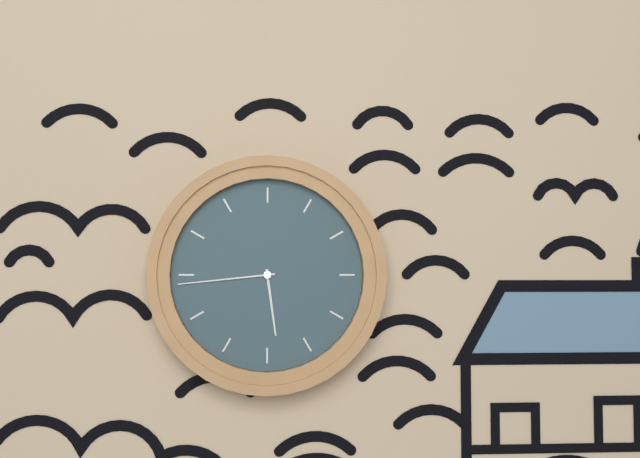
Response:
5h44
